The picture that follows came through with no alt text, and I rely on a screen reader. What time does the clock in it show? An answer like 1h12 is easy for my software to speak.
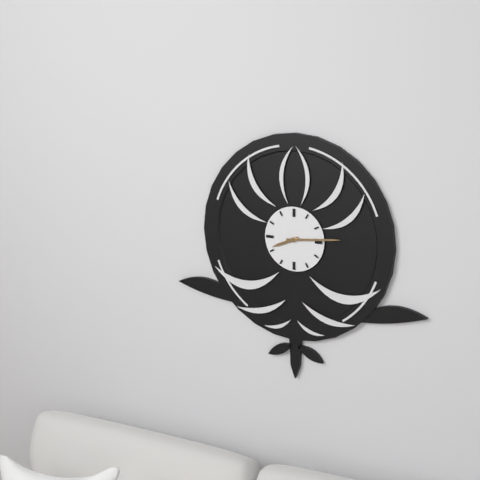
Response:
8h14
